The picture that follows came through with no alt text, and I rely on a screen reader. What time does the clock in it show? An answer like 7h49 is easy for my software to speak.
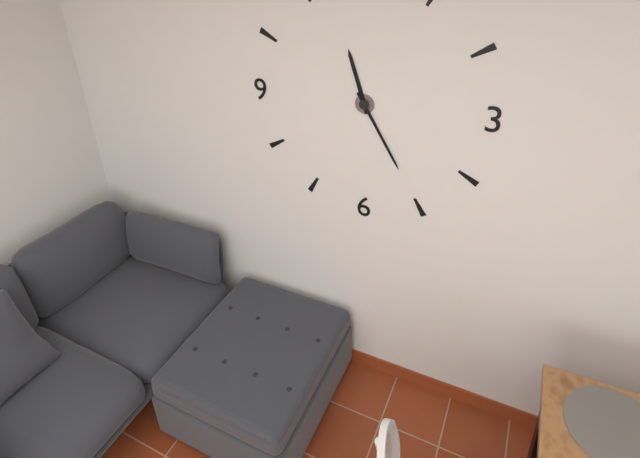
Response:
11h25
